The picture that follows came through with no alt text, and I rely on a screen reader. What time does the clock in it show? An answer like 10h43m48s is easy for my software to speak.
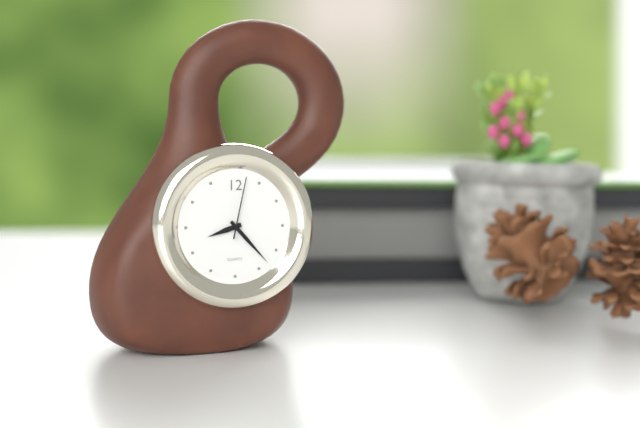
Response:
8h23m02s
